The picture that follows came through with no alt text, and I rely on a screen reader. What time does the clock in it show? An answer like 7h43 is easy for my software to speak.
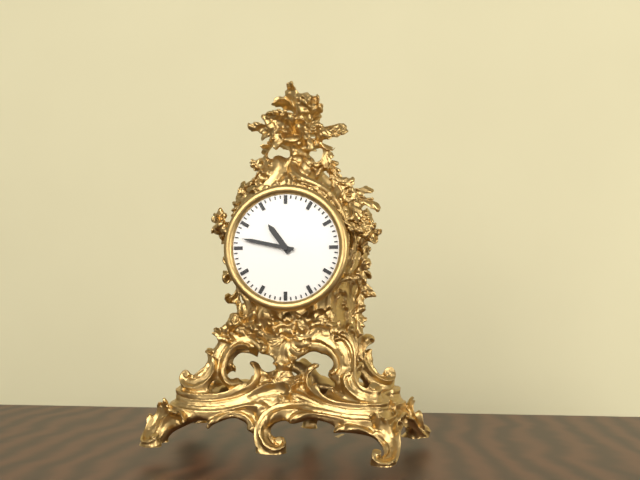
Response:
10h47
